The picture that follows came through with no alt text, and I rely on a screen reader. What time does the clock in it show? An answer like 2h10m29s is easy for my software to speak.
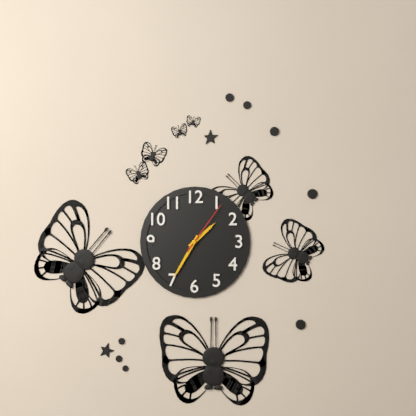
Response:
1h35m06s
